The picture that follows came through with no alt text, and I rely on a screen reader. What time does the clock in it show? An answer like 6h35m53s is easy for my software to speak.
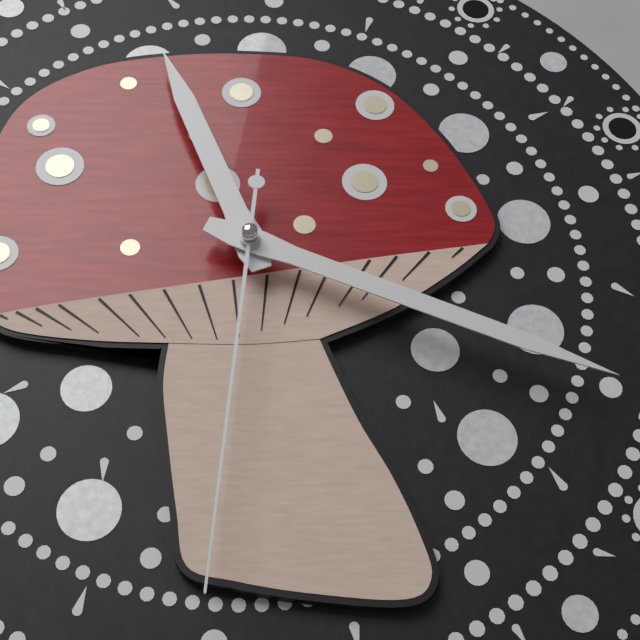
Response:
11h19m31s
